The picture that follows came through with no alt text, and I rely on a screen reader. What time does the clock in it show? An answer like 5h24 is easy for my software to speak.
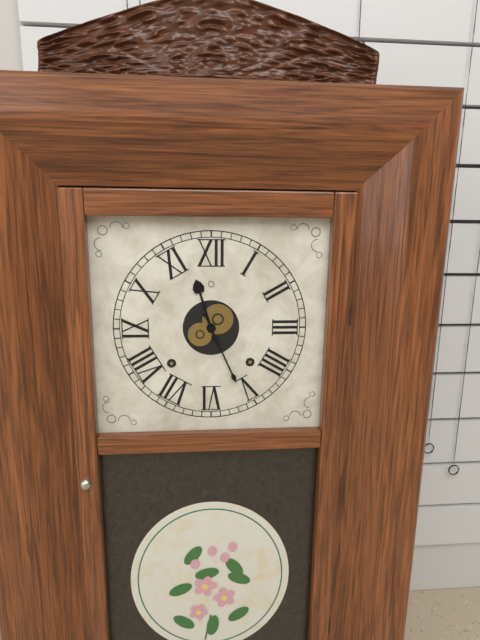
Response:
11h26
